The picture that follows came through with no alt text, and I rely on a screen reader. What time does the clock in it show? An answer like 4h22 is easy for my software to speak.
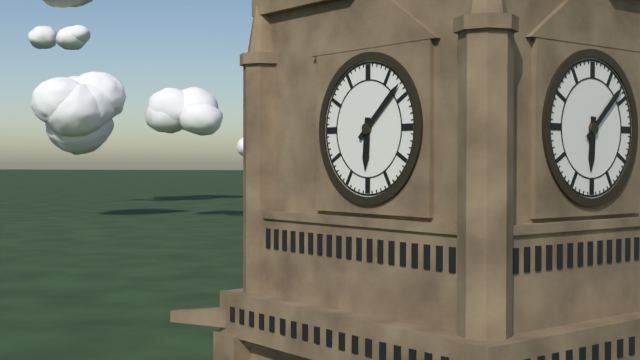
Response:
6h08
